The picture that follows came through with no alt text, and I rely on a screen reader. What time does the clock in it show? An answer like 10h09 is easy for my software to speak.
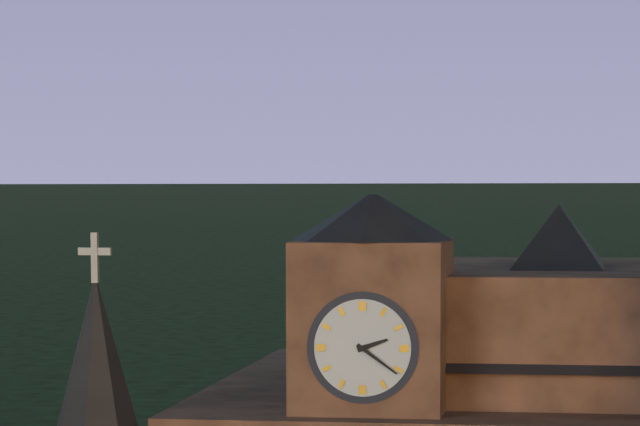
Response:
2h21
